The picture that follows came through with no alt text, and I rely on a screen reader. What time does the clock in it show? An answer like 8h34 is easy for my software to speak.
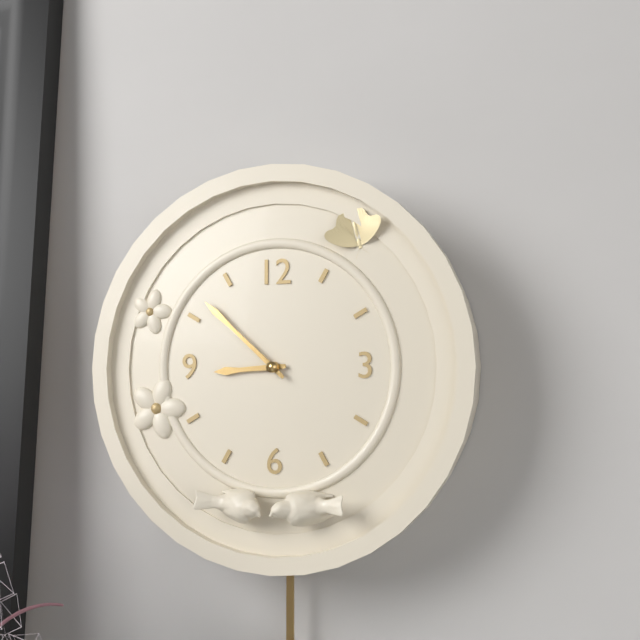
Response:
8h52
